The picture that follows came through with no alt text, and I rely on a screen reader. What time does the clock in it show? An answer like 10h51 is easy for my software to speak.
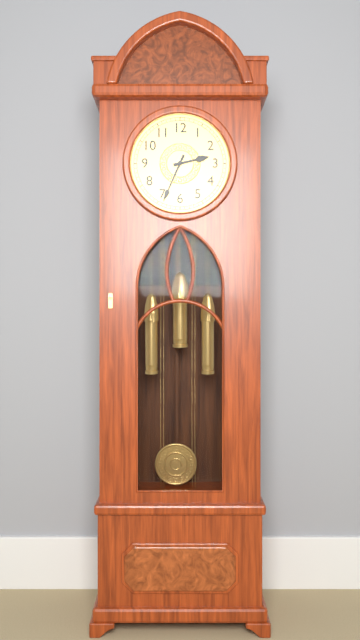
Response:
2h34
